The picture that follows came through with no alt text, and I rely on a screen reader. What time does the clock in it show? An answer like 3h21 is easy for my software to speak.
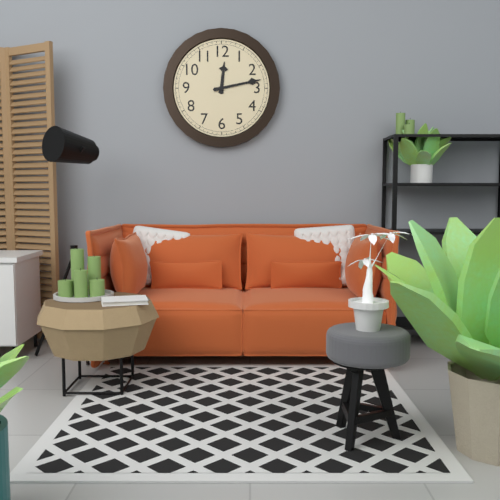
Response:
12h13
